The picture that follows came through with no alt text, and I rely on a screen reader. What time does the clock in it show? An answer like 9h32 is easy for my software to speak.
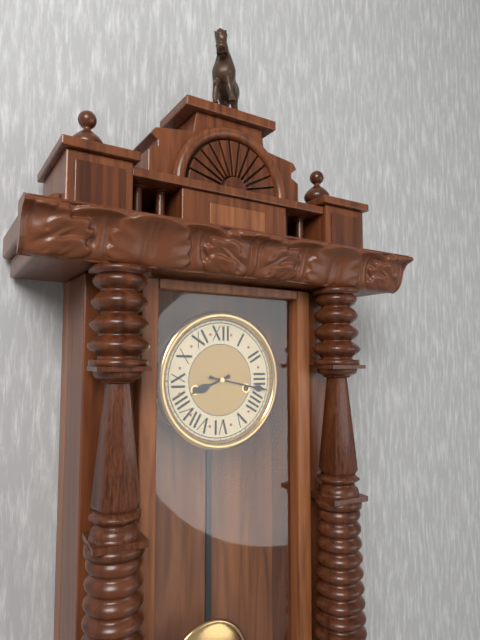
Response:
8h17
